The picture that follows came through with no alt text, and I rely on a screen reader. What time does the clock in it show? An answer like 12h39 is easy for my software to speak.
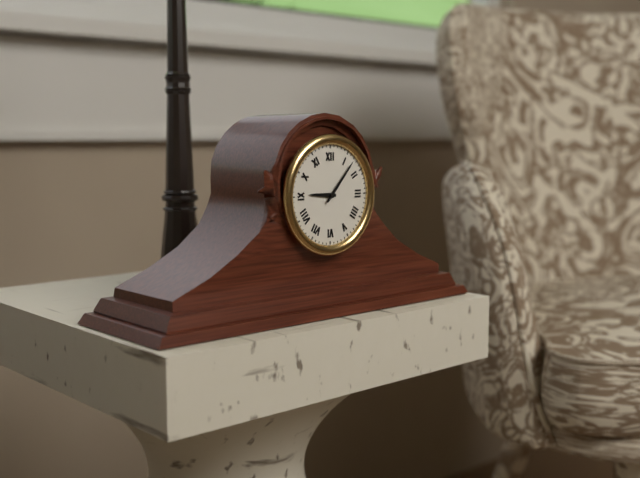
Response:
9h07
